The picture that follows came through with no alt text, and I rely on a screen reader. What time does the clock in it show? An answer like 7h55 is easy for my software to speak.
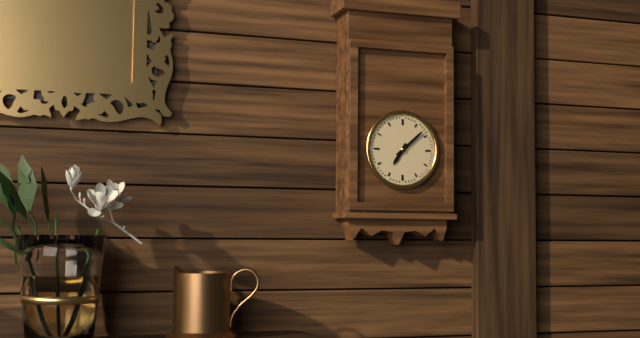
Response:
7h08
